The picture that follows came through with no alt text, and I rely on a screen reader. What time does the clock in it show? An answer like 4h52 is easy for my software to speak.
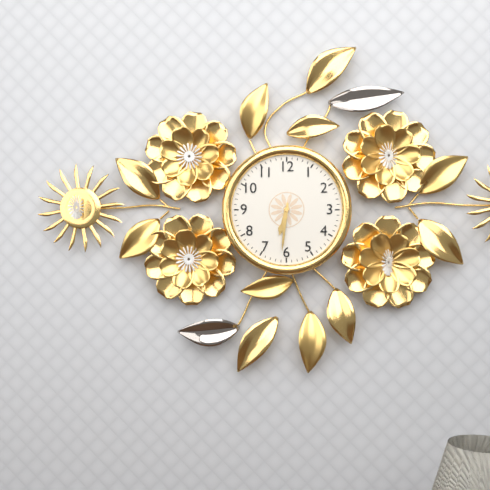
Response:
6h31
